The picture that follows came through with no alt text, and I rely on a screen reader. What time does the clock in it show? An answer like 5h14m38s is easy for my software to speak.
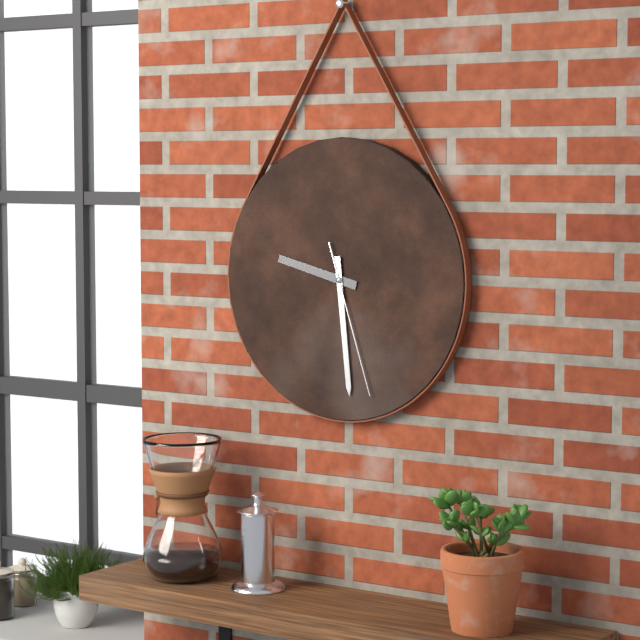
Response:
9h29m27s
